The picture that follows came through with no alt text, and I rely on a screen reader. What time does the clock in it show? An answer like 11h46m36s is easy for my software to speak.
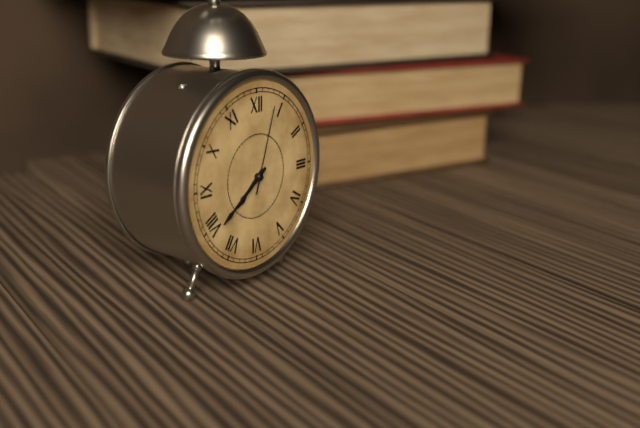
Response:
7h39m03s
